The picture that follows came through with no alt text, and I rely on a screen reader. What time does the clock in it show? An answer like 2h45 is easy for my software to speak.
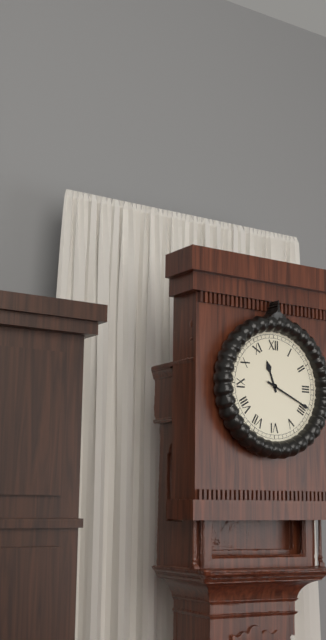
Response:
11h19
